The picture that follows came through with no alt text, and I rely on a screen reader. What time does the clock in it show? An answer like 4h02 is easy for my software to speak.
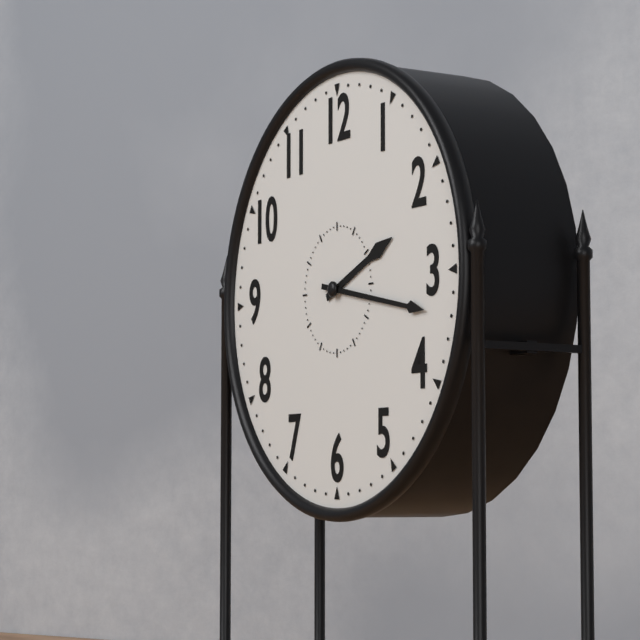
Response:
2h17
